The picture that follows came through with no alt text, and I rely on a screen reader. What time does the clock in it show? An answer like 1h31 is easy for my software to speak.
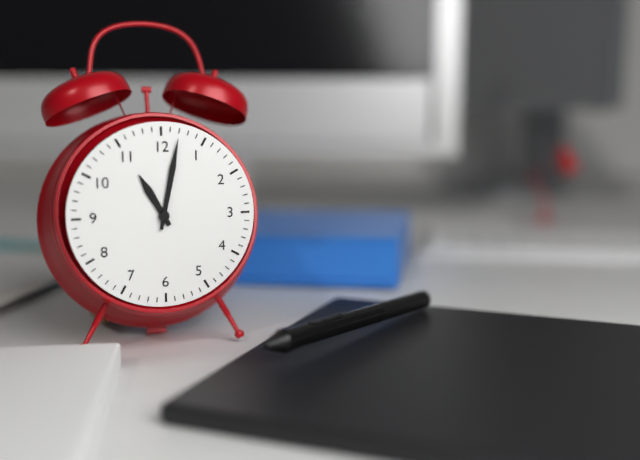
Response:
11h02
